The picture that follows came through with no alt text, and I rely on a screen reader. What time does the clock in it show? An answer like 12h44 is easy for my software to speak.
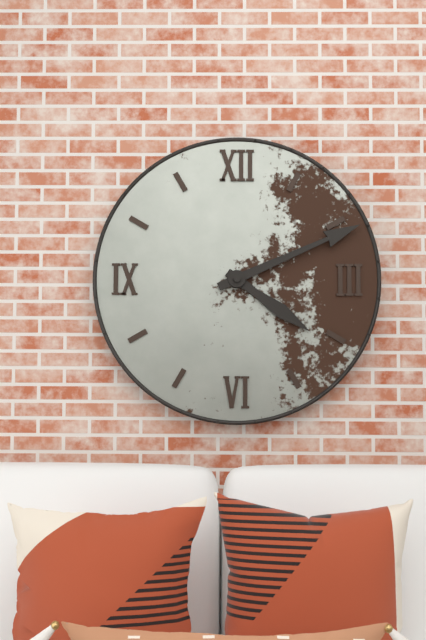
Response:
4h11
